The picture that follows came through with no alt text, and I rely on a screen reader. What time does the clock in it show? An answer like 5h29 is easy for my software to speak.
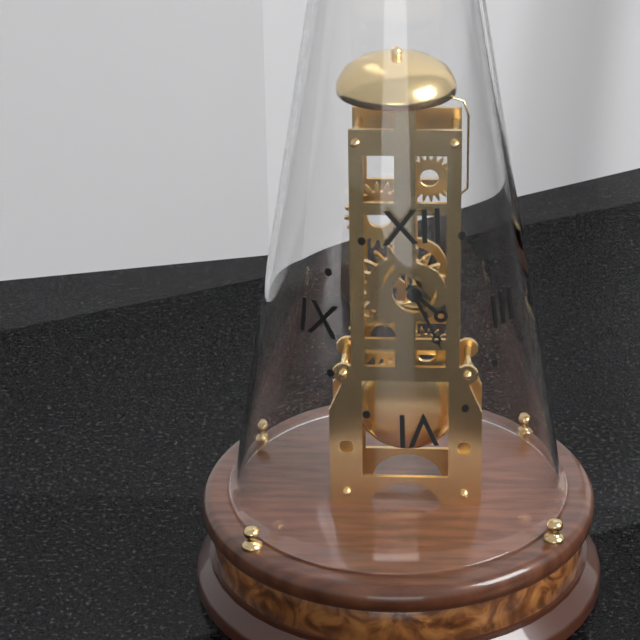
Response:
4h26
